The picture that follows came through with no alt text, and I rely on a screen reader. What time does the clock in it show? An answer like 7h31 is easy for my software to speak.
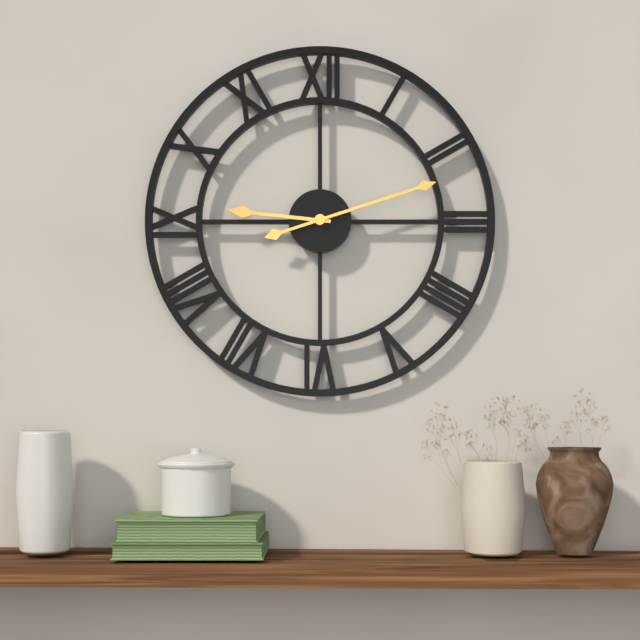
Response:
9h12
